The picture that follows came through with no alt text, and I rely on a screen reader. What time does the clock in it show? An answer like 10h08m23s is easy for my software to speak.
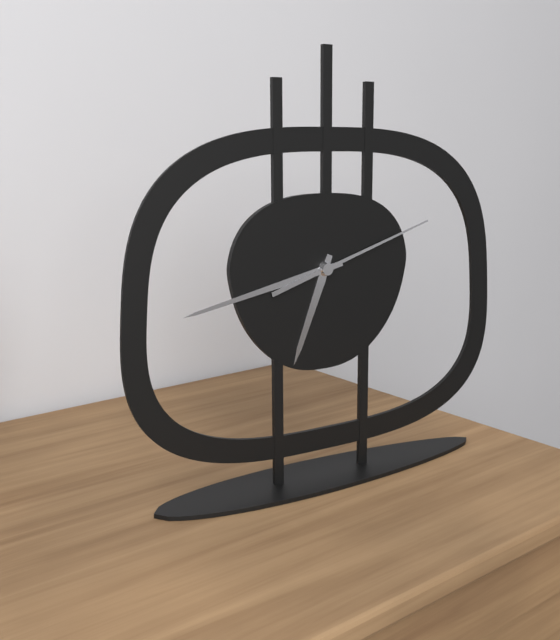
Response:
6h43m12s
